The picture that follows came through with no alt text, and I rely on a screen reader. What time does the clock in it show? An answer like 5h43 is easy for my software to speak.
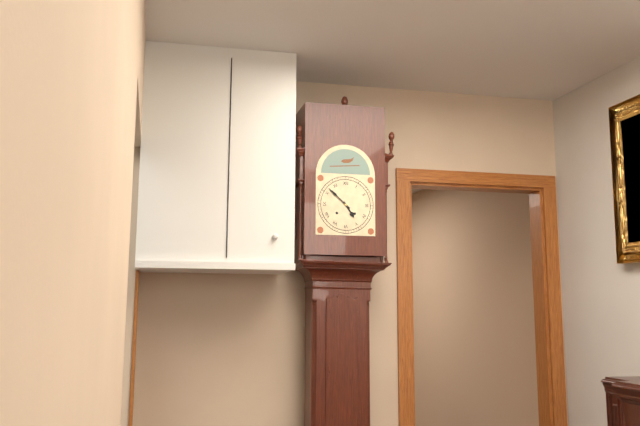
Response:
4h52
